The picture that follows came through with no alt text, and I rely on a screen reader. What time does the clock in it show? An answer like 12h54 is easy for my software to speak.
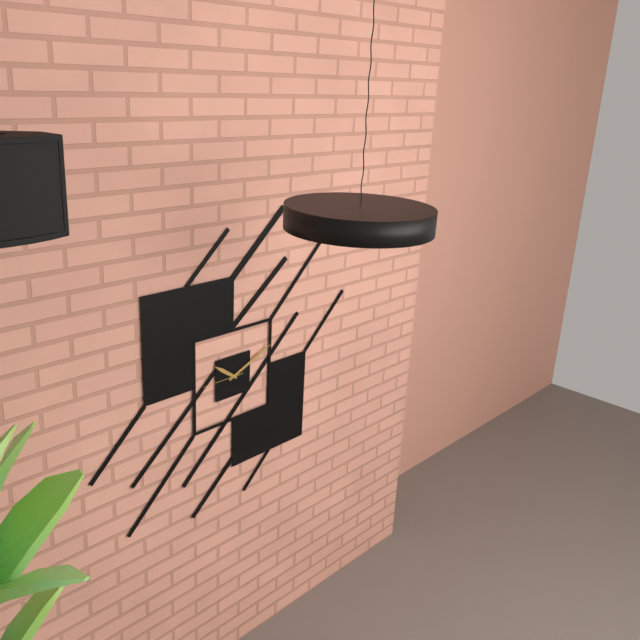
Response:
10h11
